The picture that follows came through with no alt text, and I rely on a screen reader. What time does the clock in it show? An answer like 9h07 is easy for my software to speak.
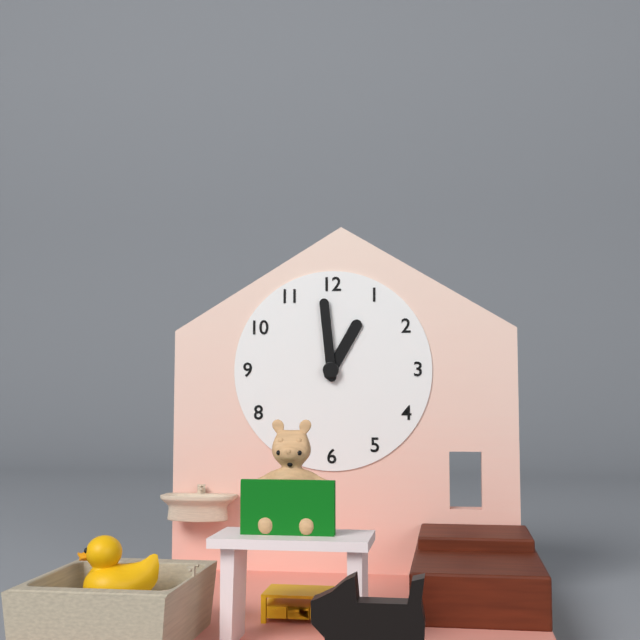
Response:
12h59
